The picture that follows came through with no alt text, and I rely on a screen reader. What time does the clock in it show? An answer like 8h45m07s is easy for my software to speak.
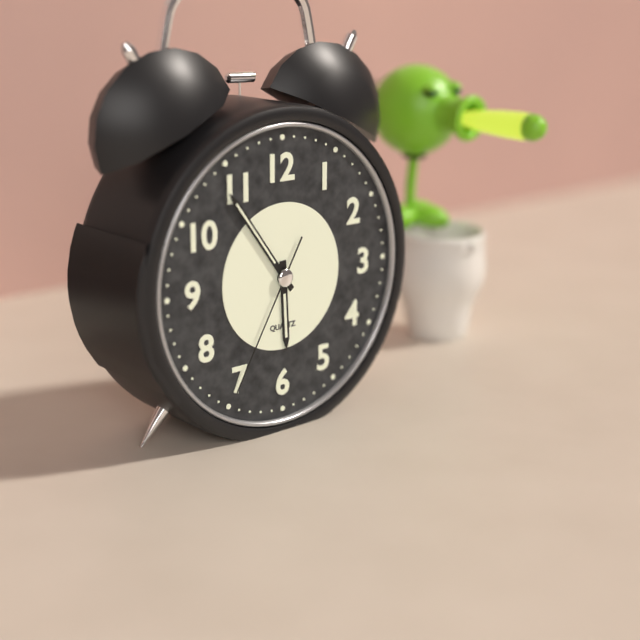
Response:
5h54m35s
